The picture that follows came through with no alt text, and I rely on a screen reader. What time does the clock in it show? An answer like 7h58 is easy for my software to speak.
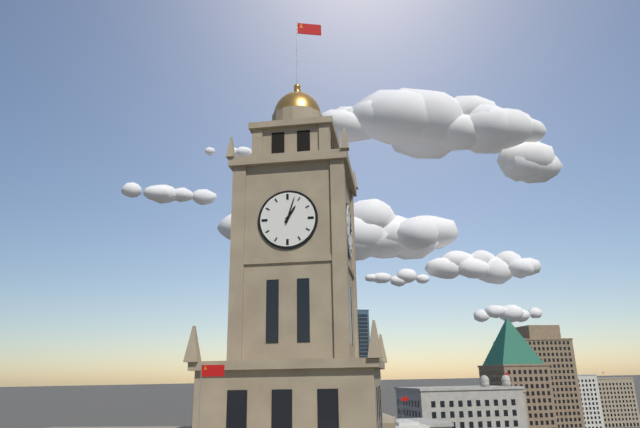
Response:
1h03
